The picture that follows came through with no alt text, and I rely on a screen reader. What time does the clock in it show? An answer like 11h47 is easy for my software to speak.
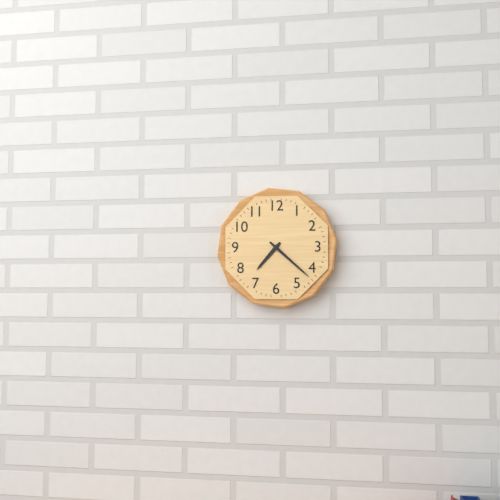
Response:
7h22
